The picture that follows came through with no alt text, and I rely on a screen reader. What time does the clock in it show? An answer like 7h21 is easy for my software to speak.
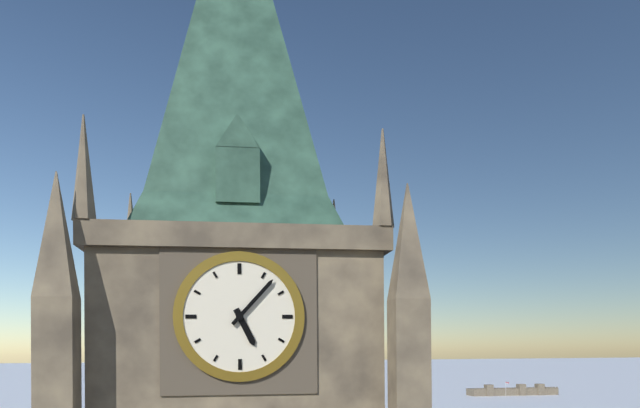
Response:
5h07
